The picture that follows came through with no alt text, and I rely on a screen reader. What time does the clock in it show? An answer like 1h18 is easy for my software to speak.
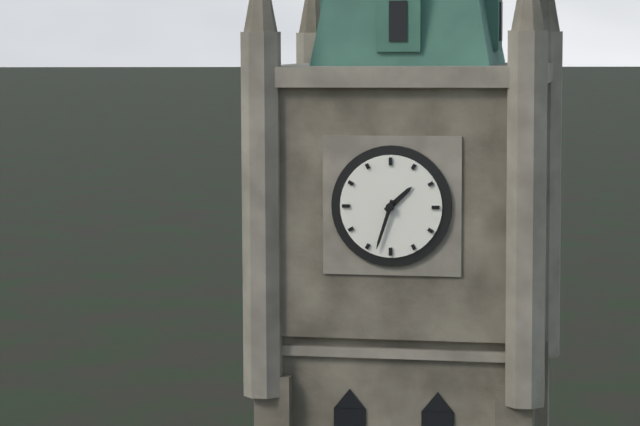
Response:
1h33
